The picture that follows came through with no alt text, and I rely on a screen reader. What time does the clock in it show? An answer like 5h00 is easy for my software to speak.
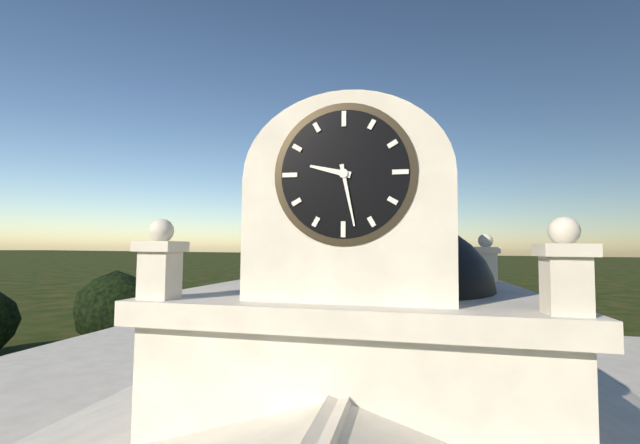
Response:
9h28
